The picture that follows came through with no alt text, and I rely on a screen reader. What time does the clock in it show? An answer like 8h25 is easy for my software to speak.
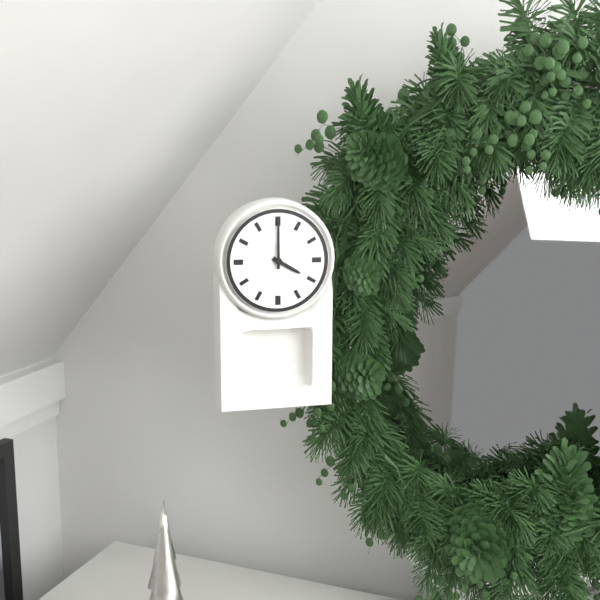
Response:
4h00
